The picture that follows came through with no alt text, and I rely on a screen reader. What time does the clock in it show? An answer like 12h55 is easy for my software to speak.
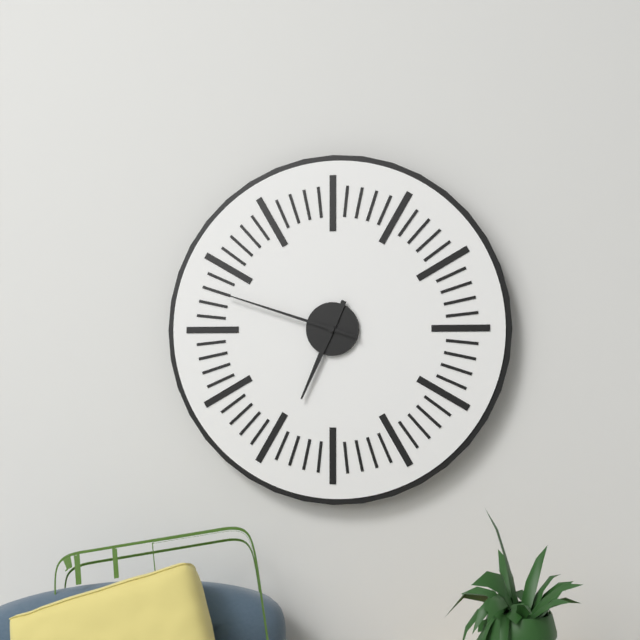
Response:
6h48
